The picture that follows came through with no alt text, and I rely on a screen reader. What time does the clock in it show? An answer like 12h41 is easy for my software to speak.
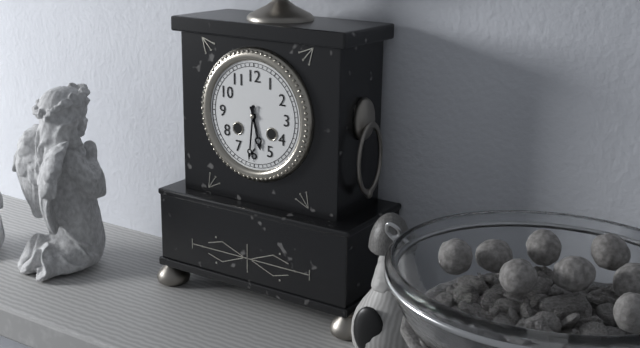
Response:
5h31
